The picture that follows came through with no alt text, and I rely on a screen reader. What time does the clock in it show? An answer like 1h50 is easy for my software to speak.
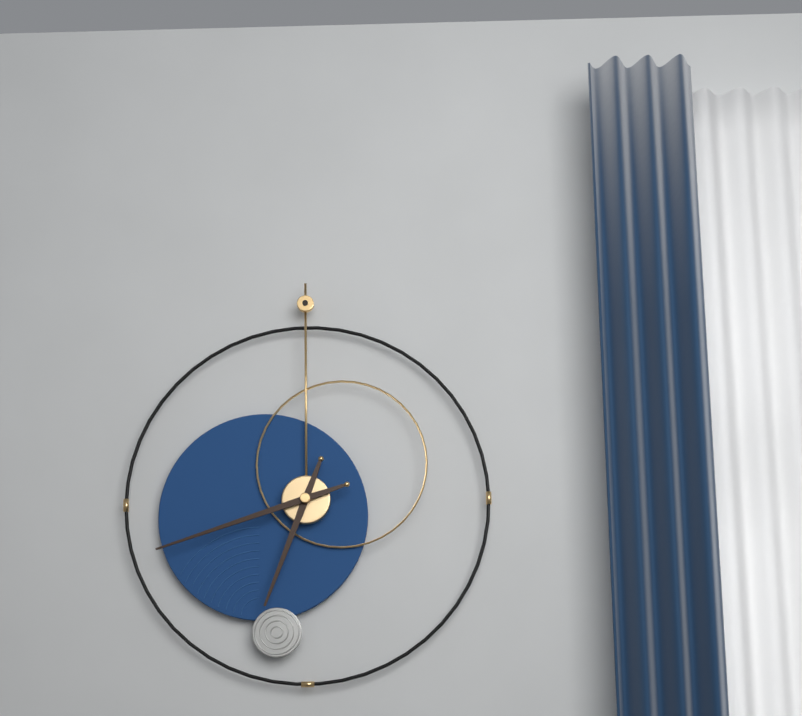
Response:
6h42
